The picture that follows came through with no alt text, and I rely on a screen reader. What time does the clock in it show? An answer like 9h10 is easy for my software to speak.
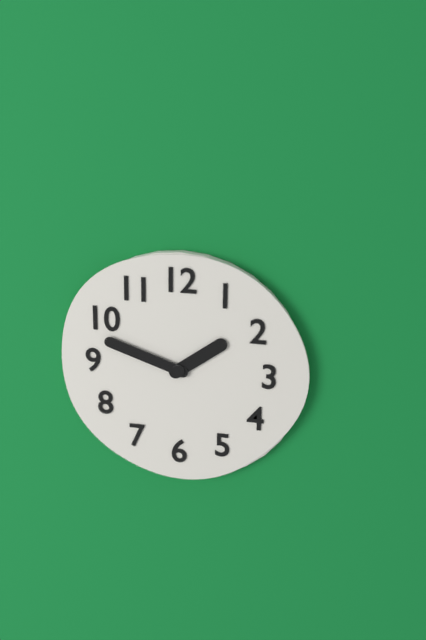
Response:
1h48
